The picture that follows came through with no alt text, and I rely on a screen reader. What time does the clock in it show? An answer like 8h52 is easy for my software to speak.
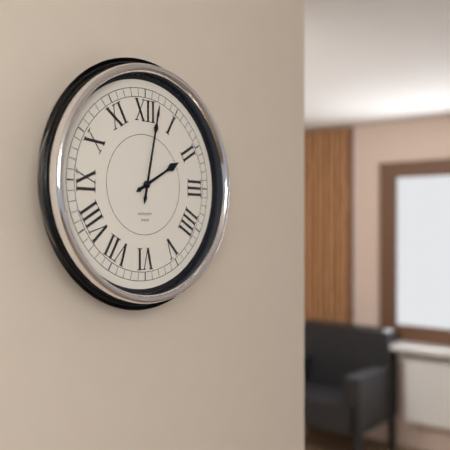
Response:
2h02
